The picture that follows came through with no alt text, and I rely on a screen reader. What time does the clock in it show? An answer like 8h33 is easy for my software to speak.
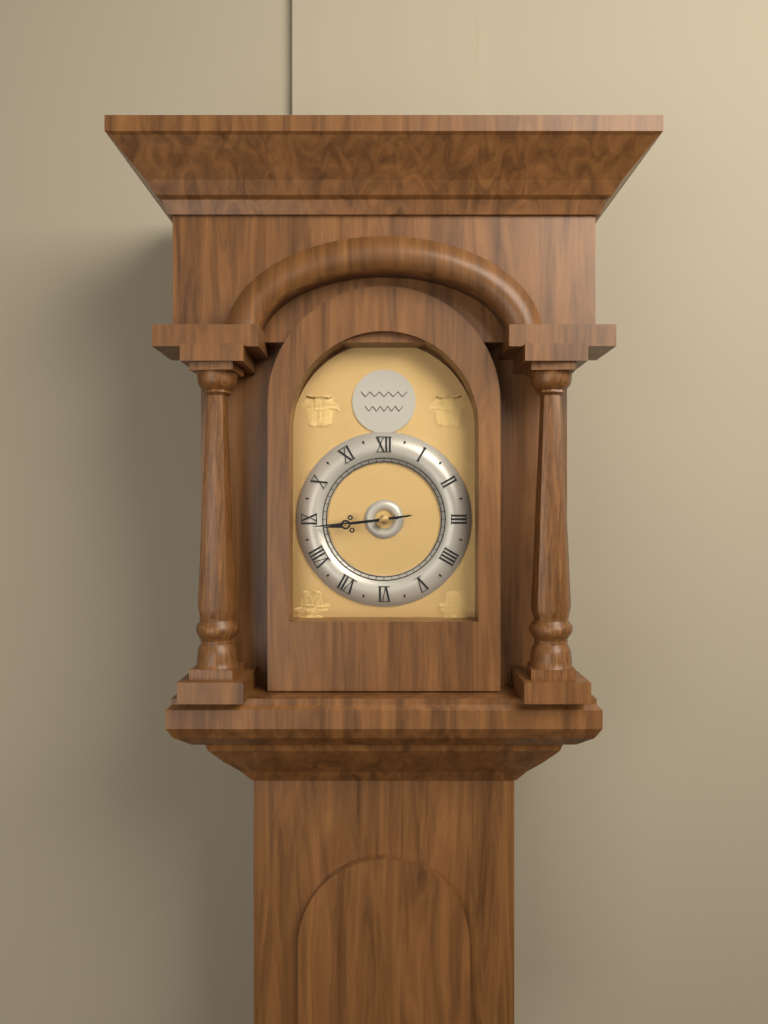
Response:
8h44
